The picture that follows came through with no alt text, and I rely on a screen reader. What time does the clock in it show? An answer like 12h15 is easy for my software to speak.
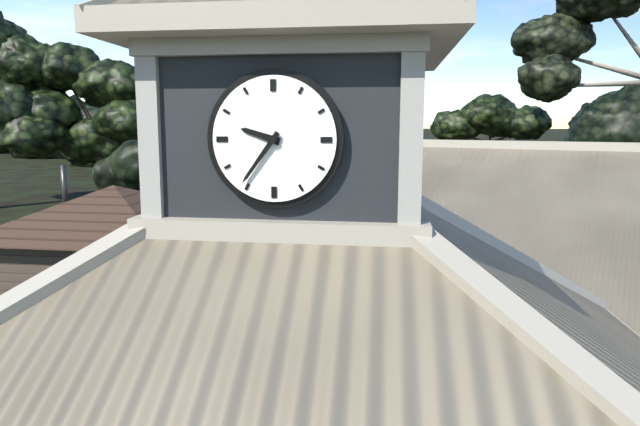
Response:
9h36
